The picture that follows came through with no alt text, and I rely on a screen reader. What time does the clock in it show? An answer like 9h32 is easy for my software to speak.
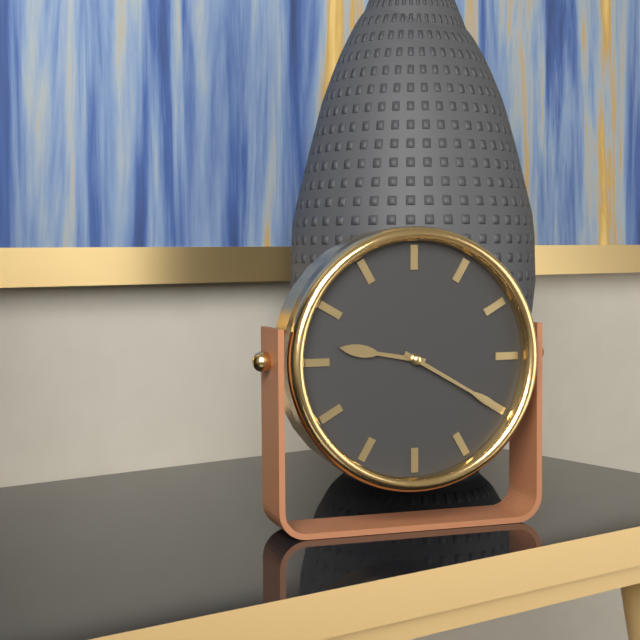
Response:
9h20
